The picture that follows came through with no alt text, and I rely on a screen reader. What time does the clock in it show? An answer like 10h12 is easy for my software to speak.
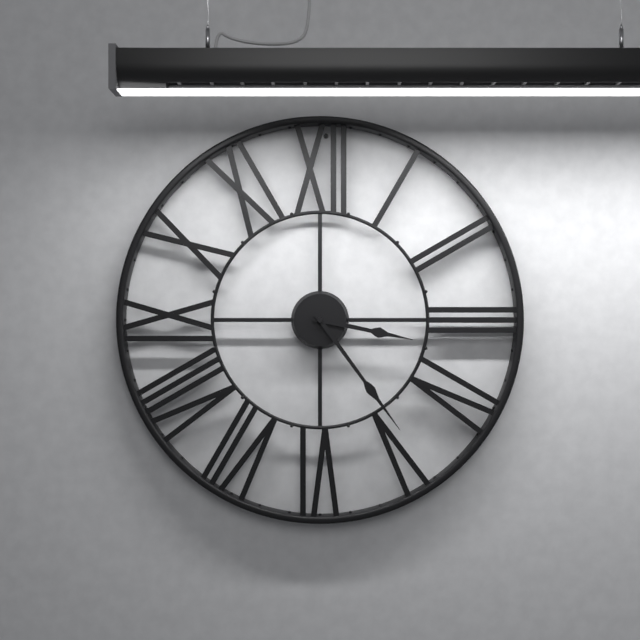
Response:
3h24
